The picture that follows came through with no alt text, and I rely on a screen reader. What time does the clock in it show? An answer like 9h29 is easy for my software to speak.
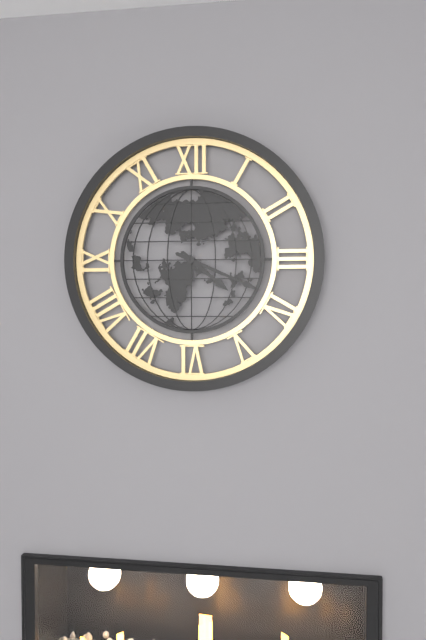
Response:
4h19
